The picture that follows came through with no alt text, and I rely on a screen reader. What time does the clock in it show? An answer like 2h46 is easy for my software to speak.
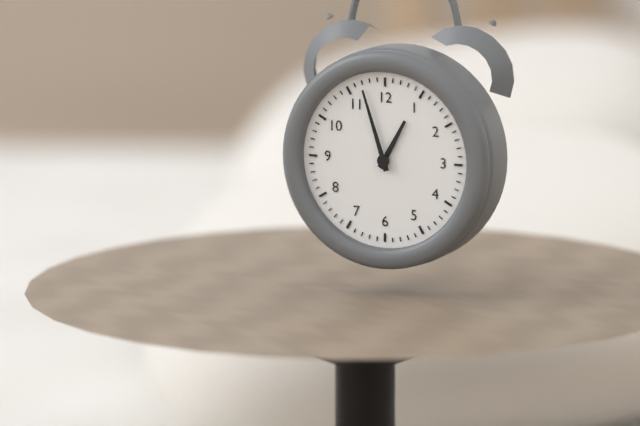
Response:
12h57
